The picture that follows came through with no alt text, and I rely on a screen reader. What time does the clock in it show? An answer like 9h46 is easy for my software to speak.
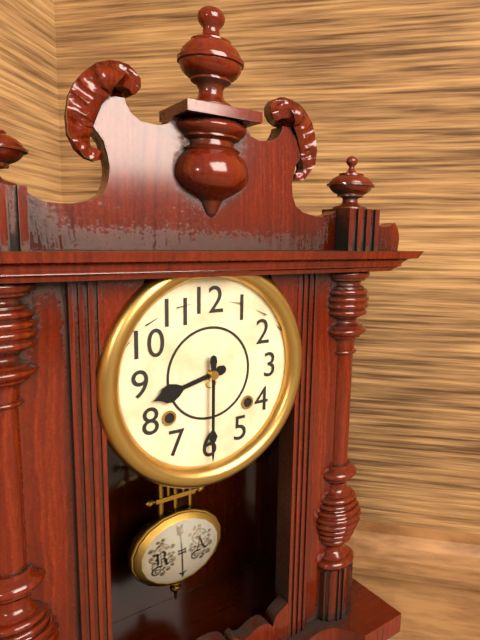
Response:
8h30
